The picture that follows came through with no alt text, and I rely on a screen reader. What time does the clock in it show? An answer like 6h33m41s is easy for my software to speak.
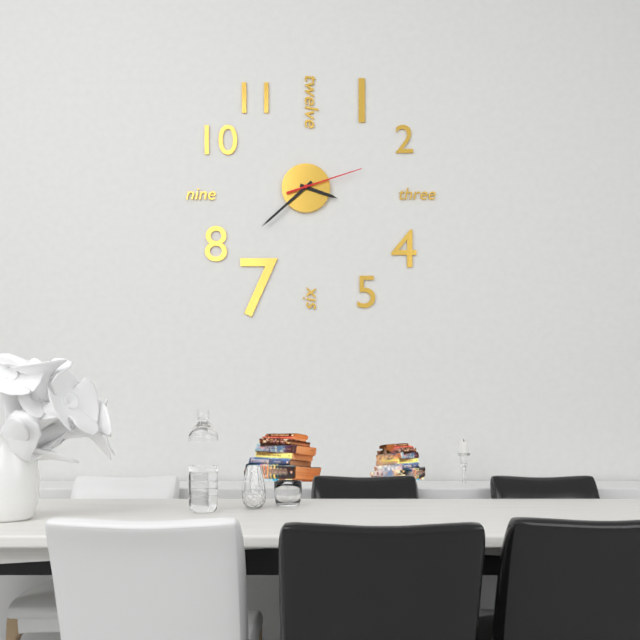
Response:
3h38m12s
